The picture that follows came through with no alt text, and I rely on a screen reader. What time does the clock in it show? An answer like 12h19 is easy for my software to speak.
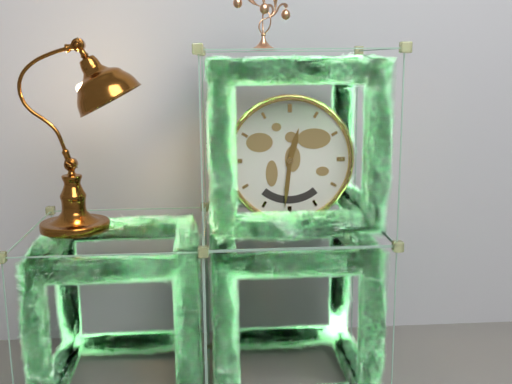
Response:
12h31
